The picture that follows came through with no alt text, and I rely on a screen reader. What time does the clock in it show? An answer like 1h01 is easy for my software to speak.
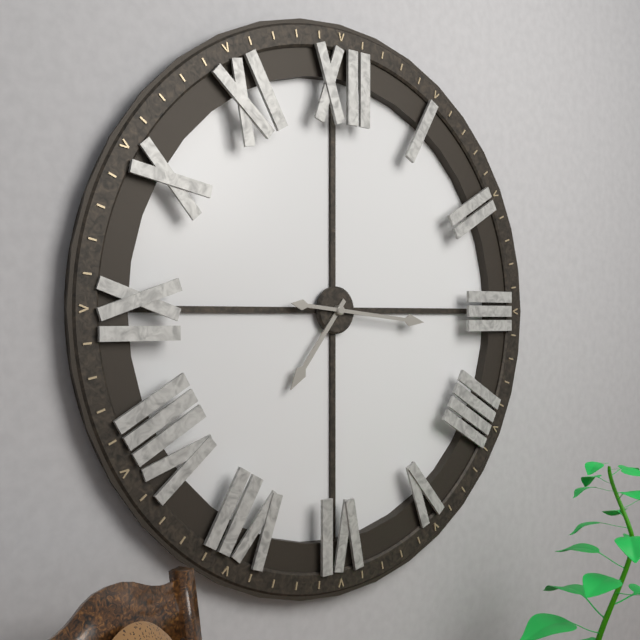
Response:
7h16
